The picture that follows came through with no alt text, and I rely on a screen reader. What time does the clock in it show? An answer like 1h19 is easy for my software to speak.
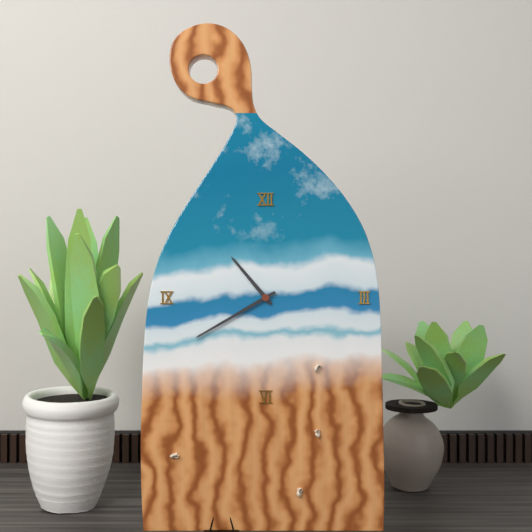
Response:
10h40
